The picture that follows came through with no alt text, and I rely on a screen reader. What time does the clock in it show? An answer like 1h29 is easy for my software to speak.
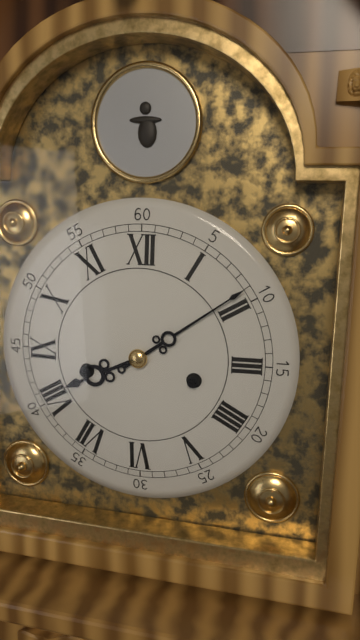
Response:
8h09
